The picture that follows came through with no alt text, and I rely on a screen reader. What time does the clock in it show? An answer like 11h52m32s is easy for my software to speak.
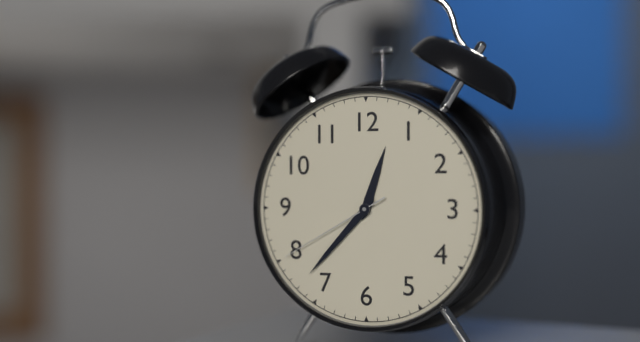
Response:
12h37m40s
